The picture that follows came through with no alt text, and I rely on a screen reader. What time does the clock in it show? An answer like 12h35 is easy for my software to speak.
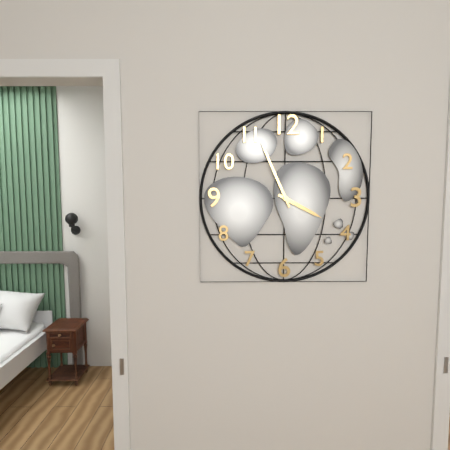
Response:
3h56
